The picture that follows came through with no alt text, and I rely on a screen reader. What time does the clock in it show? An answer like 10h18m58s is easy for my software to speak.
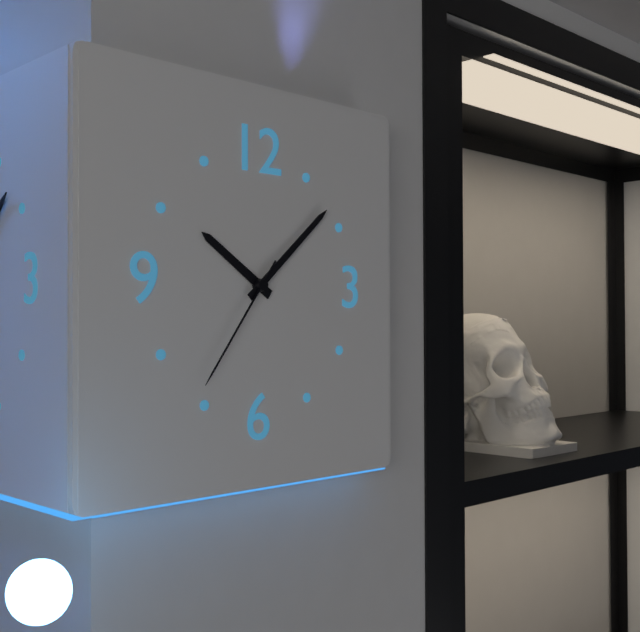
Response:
10h08m36s
